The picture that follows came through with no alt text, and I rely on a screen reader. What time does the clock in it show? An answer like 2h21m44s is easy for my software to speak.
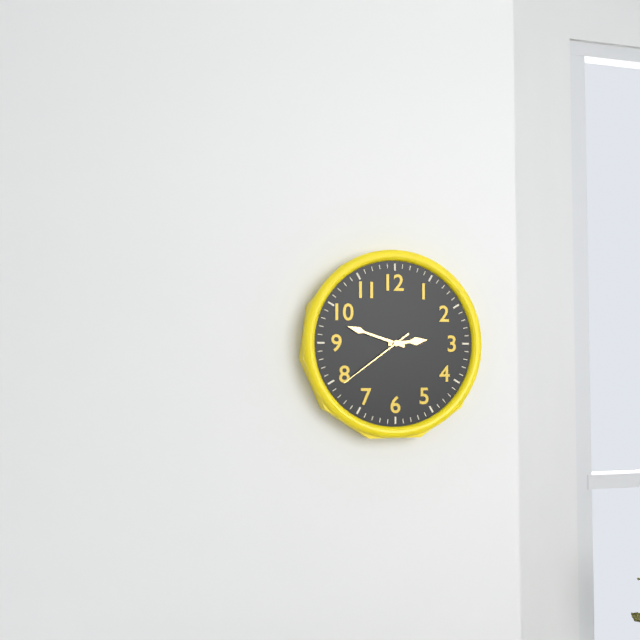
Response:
2h48m39s
